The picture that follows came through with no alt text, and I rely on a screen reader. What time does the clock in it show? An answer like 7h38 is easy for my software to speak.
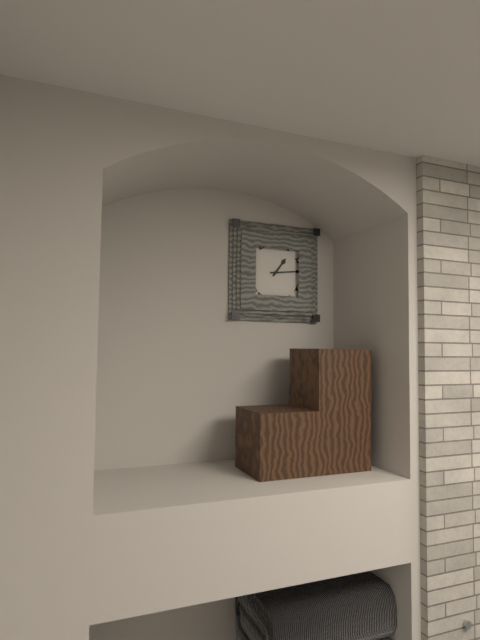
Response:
1h14
